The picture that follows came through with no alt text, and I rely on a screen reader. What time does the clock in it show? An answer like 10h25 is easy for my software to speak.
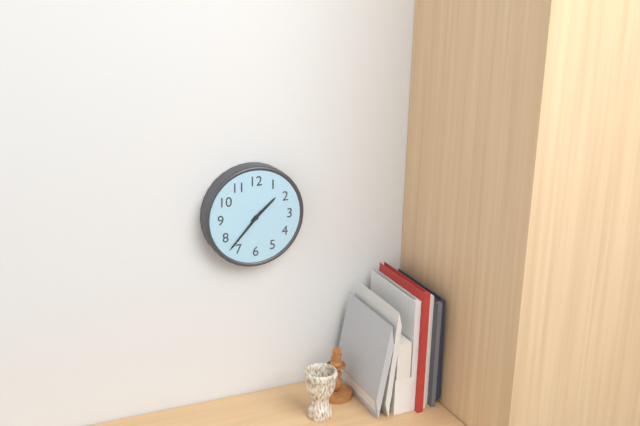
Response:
1h37
